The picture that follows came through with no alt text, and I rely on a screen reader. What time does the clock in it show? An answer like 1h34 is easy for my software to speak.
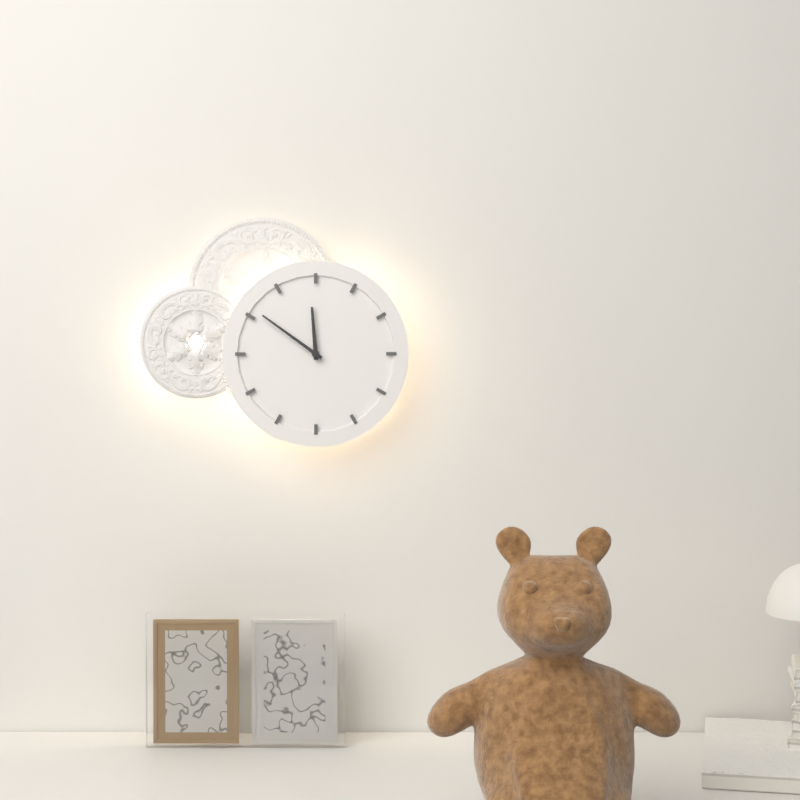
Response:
11h51
